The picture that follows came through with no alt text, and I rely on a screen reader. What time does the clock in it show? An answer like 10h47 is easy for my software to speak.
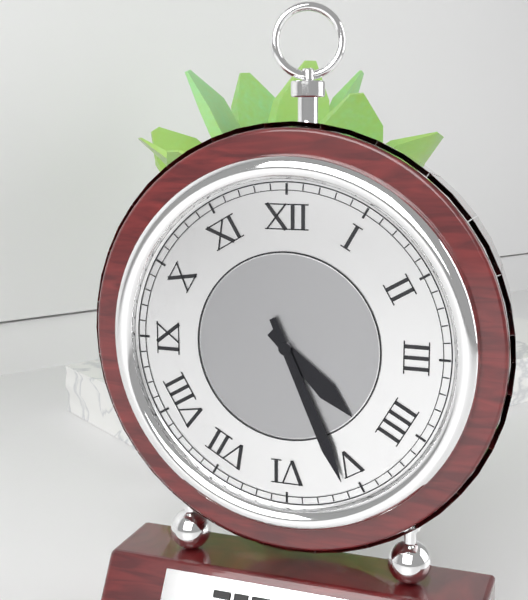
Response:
4h26
